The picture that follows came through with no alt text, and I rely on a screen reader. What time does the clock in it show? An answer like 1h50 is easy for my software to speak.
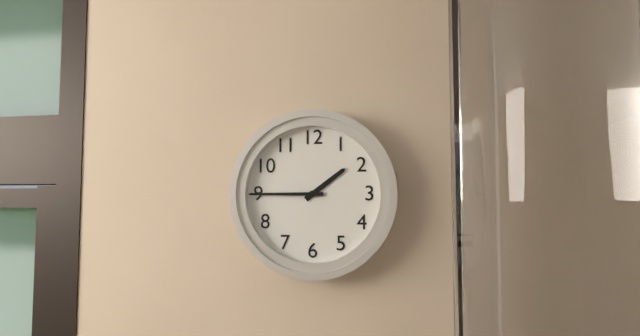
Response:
1h45
